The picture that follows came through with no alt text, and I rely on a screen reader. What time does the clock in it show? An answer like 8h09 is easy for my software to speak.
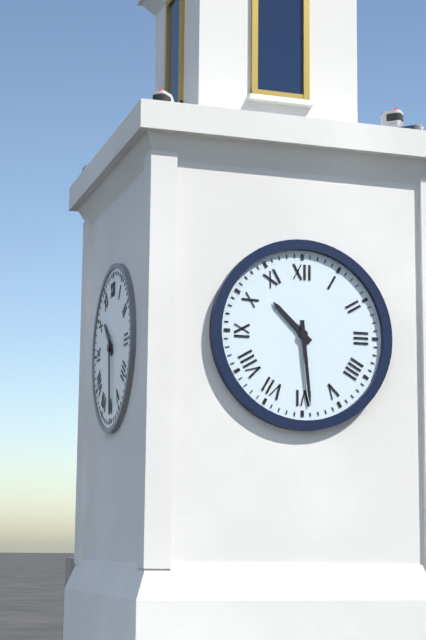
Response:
10h29
